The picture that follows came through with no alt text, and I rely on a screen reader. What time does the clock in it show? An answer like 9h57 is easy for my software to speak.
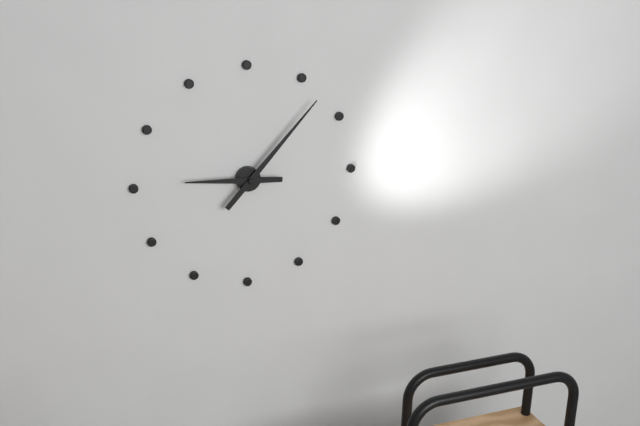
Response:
9h07
